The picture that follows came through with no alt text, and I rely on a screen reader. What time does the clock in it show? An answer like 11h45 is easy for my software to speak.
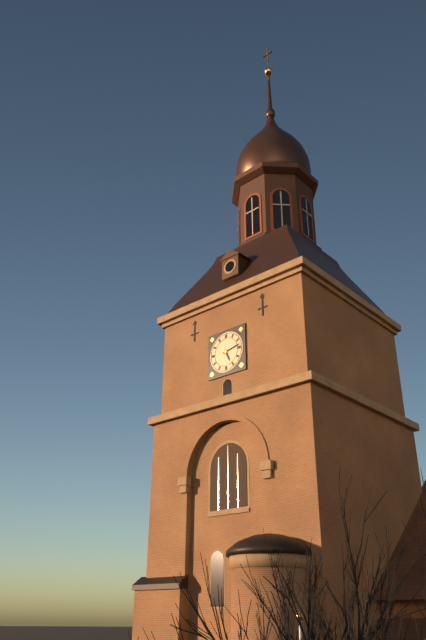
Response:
5h13
